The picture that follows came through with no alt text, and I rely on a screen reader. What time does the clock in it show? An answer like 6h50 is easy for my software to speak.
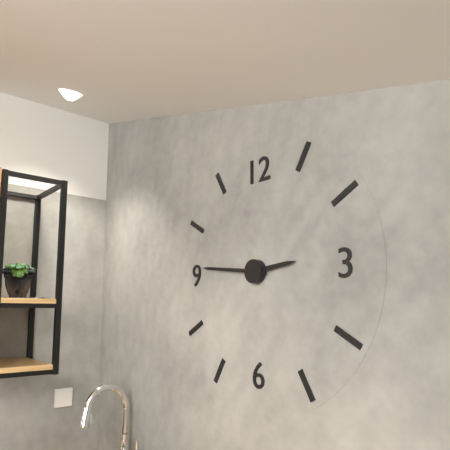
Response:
2h46
